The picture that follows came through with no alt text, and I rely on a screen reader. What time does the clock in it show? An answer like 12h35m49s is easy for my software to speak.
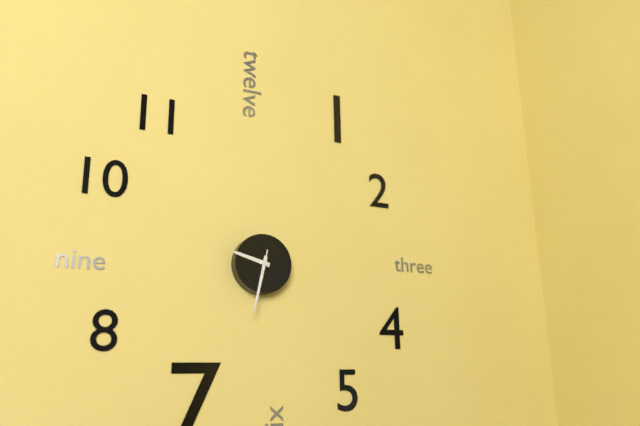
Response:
9h32m32s
